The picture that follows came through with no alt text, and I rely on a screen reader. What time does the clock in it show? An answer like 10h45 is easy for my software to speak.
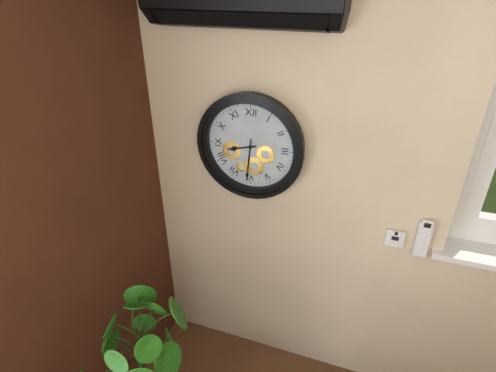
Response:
8h31
